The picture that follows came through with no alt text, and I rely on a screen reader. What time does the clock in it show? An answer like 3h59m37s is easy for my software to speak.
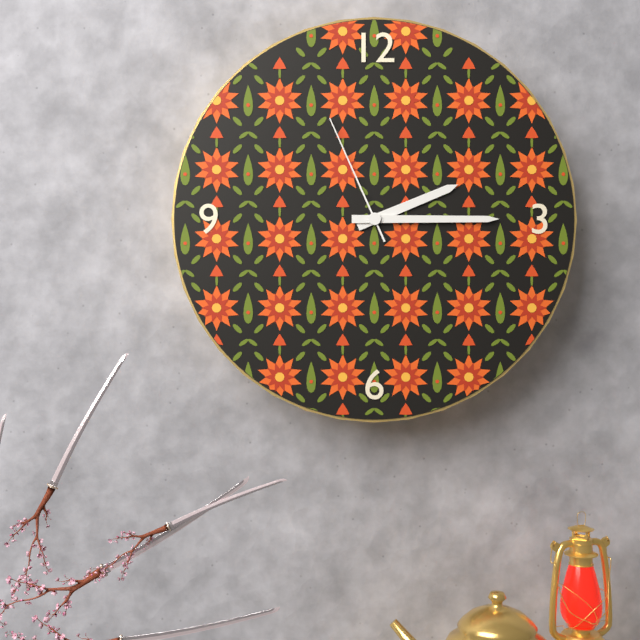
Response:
2h15m56s
